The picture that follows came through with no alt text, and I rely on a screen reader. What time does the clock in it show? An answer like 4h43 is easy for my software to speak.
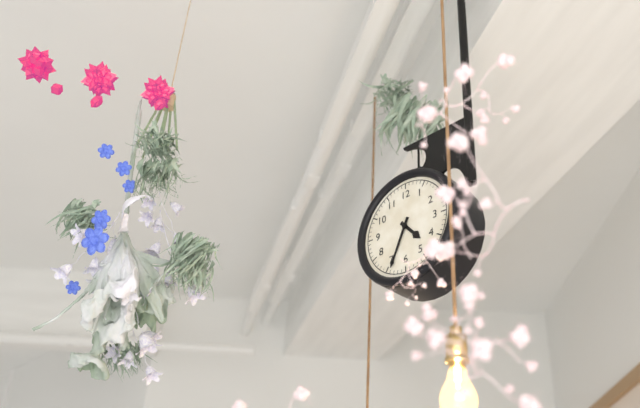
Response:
4h34
